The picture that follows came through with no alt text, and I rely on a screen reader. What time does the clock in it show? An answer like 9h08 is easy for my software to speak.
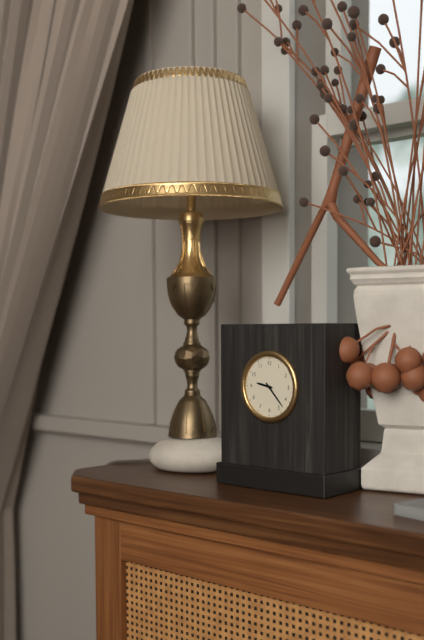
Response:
9h23
